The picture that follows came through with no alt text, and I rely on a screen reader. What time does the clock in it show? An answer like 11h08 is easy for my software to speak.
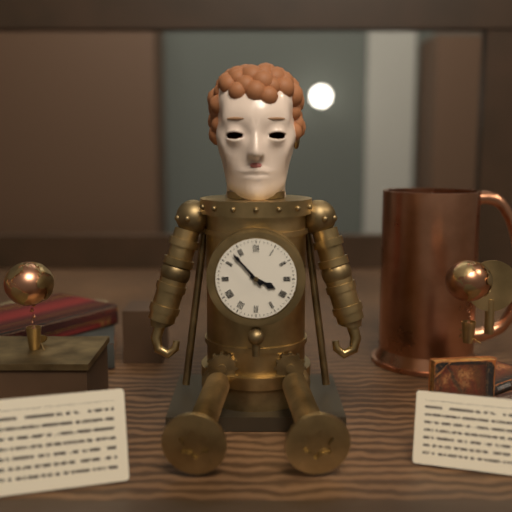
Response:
3h53
